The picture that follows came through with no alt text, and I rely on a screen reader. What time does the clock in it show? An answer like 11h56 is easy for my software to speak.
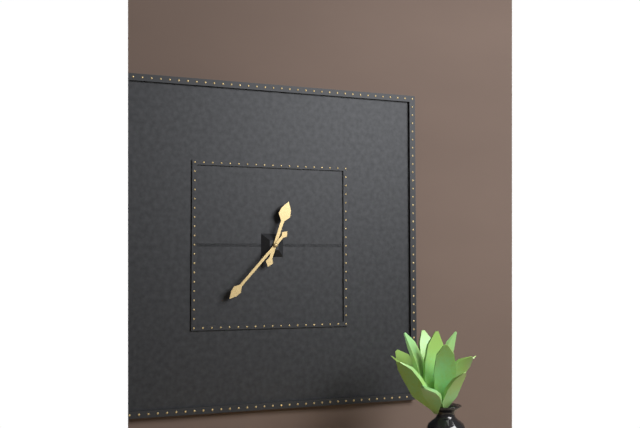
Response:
12h37
